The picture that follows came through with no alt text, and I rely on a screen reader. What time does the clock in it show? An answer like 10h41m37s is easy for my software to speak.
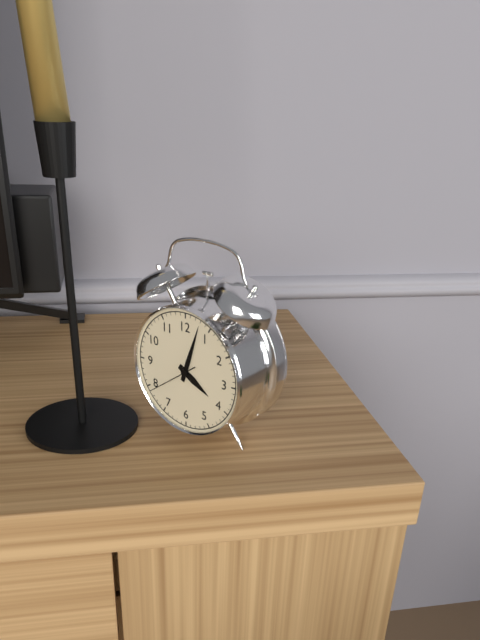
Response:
4h03m39s
